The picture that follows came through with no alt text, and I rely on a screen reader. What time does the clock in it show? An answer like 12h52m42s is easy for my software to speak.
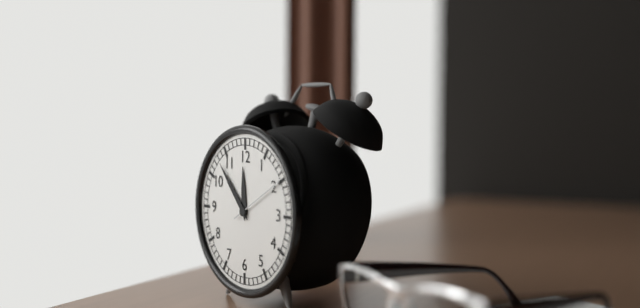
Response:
11h53m10s
